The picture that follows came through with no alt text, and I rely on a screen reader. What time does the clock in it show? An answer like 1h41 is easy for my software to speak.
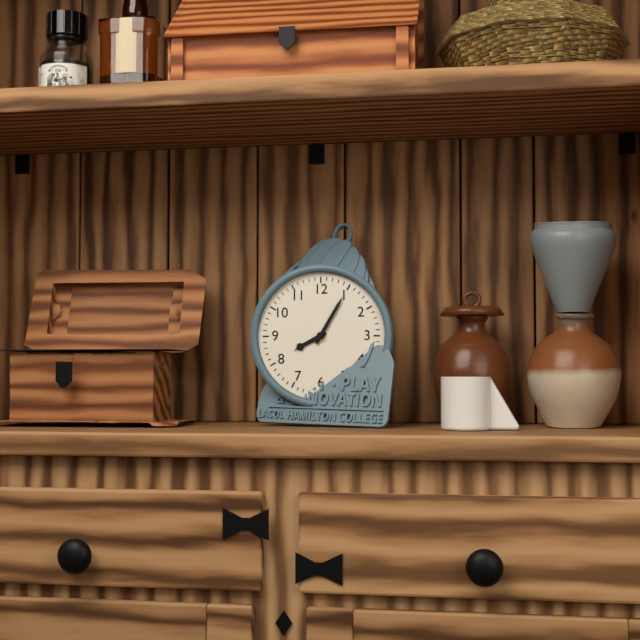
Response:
8h05
